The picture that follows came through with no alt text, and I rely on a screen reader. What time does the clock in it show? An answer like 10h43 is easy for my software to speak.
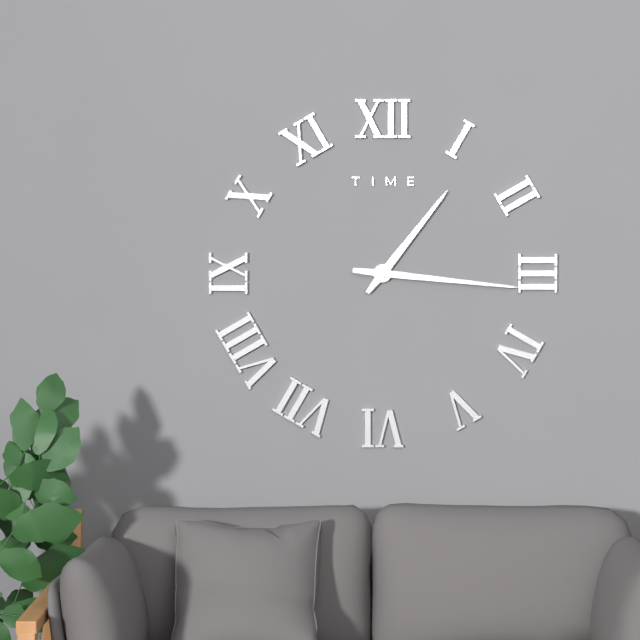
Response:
1h16
